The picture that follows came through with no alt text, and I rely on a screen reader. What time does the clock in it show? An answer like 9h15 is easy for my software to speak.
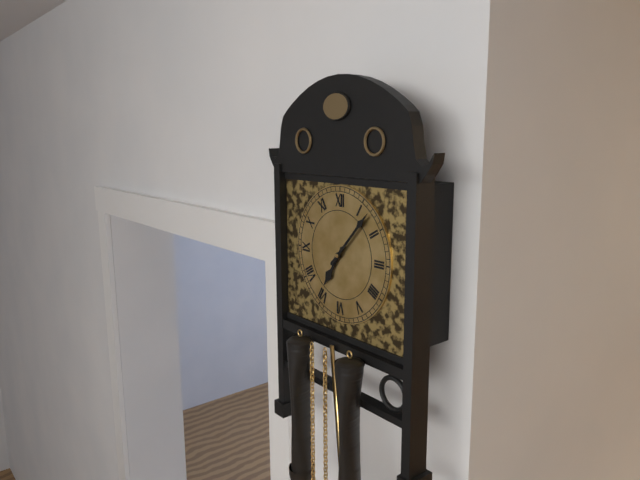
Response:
7h07
